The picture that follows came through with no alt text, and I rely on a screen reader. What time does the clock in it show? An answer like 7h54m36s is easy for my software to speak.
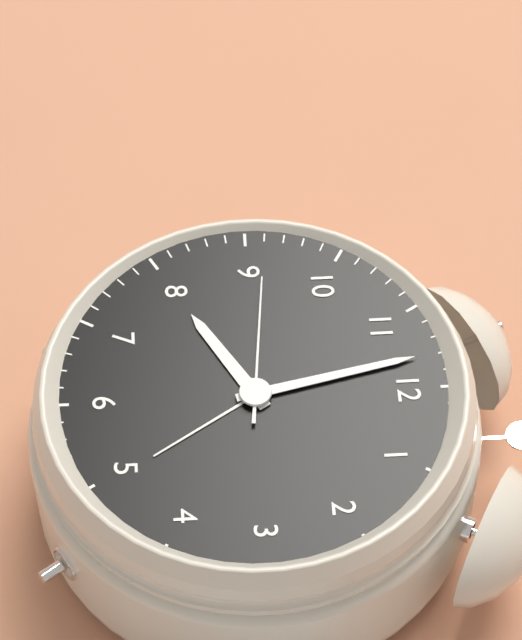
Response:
7h58m46s
